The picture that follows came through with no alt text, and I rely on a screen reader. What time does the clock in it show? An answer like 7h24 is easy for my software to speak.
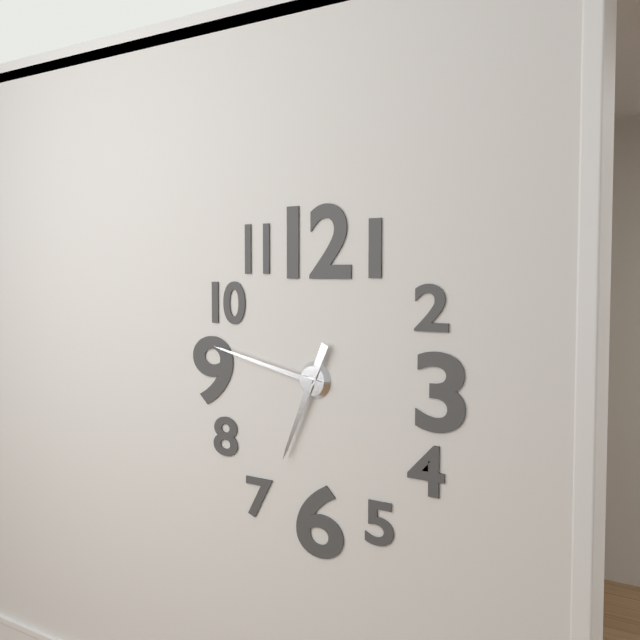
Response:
6h47
